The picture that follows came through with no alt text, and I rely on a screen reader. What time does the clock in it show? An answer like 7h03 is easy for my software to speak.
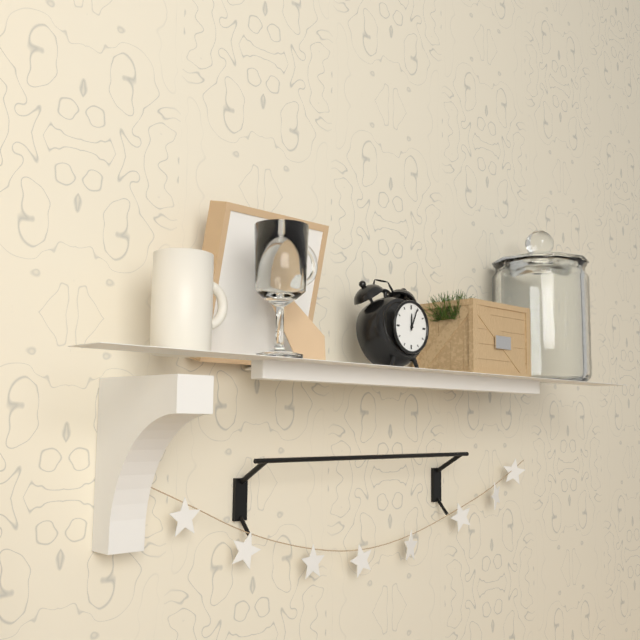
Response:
12h04
